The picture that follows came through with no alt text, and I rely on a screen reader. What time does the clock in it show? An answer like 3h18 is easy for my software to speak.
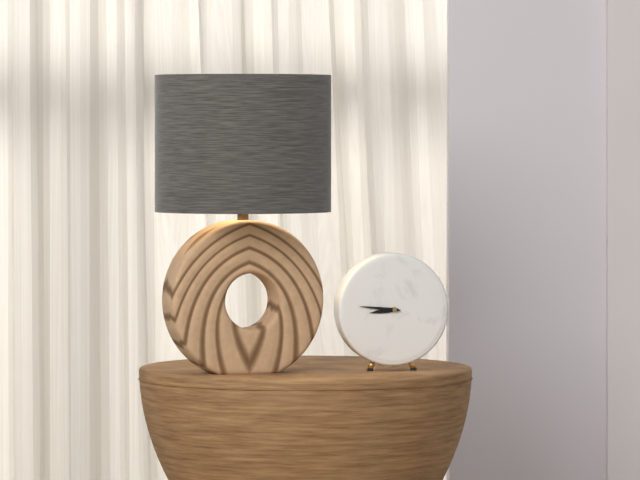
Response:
8h46
